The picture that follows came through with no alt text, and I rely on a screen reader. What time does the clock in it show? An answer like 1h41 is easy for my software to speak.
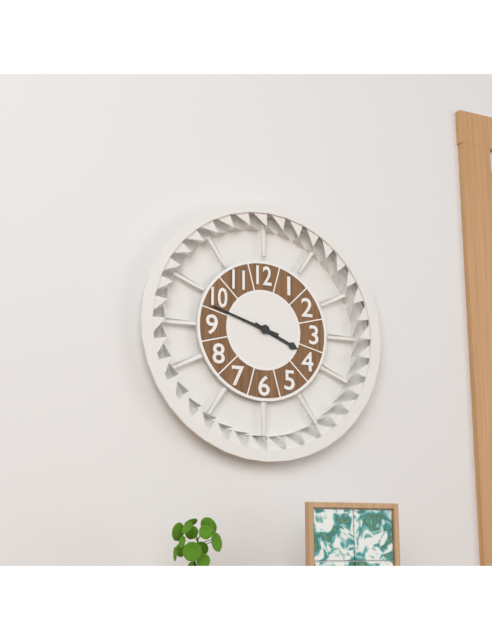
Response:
3h48
